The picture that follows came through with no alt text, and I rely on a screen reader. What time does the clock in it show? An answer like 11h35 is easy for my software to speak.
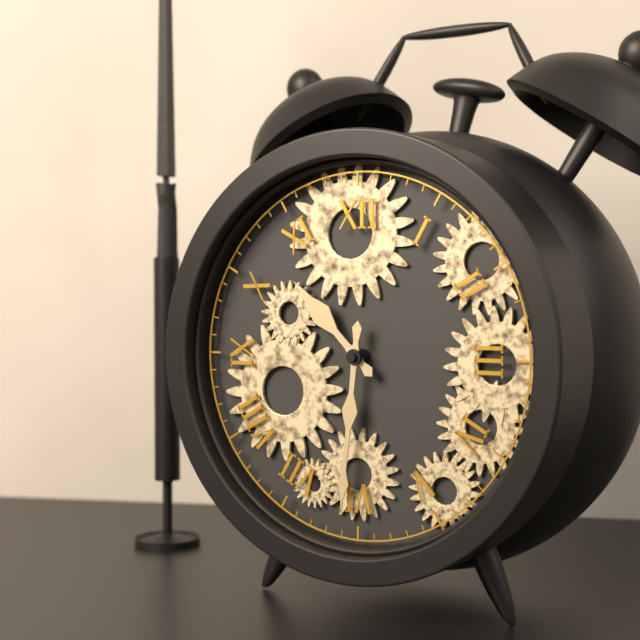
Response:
10h31
